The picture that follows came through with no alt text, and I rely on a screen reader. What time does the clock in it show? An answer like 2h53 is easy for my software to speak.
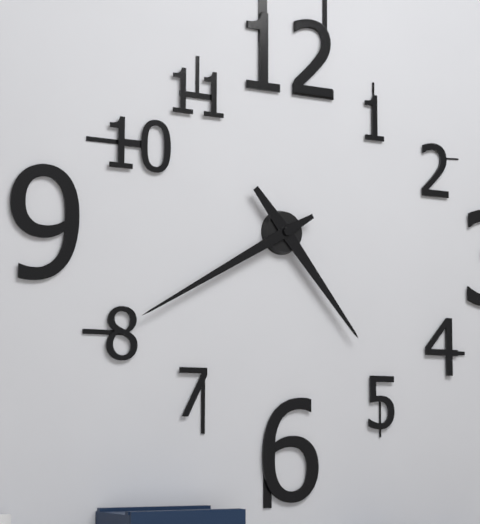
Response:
4h40
